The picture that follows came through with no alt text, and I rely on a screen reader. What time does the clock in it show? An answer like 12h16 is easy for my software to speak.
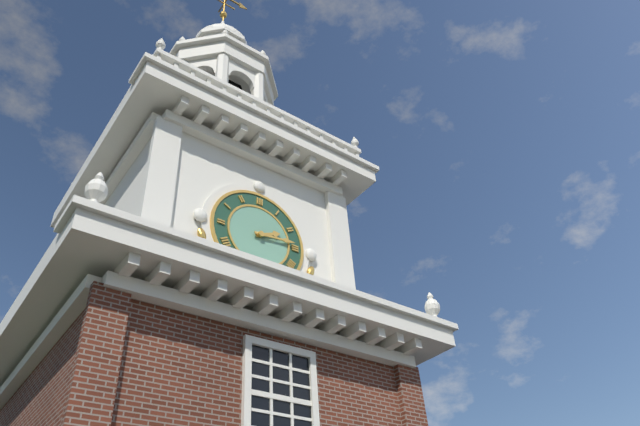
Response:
2h14
